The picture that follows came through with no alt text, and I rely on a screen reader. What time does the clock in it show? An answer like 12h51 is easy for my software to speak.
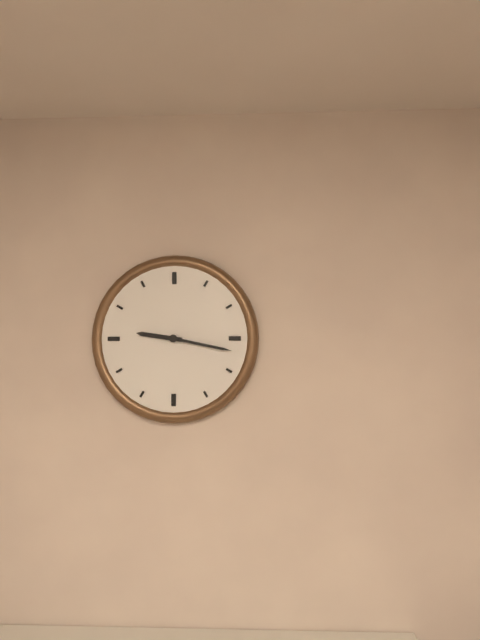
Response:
9h17
